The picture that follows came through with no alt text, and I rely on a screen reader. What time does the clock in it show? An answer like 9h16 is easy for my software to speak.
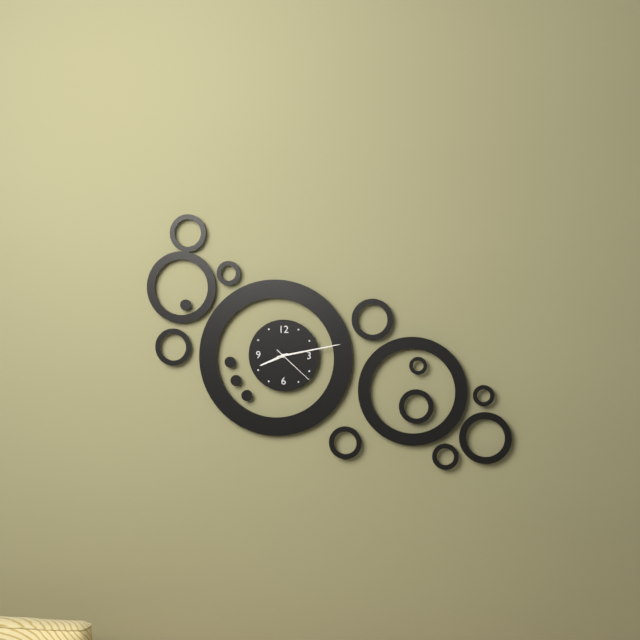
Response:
8h13
